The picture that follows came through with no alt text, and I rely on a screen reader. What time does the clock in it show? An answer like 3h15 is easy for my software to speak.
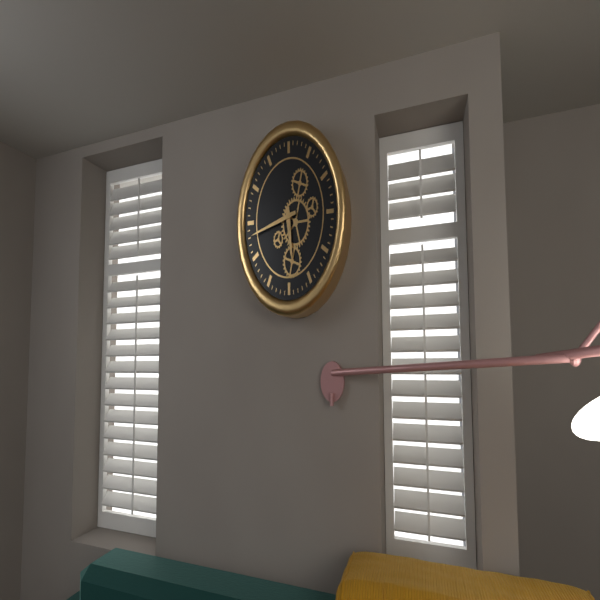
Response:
5h43
